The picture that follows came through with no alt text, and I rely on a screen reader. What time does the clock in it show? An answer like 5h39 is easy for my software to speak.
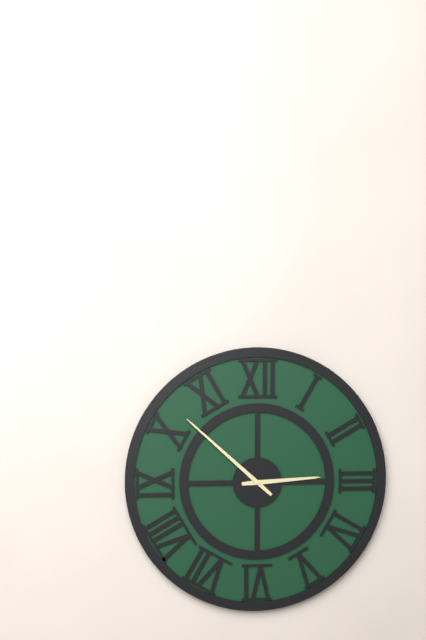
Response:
2h52
